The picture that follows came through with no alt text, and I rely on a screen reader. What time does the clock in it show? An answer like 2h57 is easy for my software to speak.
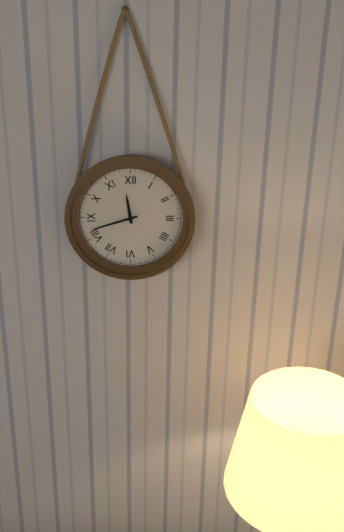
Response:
11h42
